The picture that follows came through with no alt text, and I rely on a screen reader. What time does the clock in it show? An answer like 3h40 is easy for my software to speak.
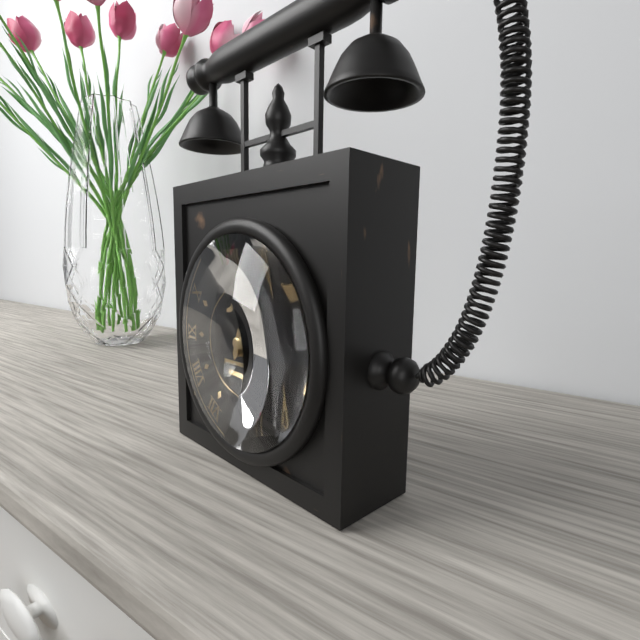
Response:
12h02
